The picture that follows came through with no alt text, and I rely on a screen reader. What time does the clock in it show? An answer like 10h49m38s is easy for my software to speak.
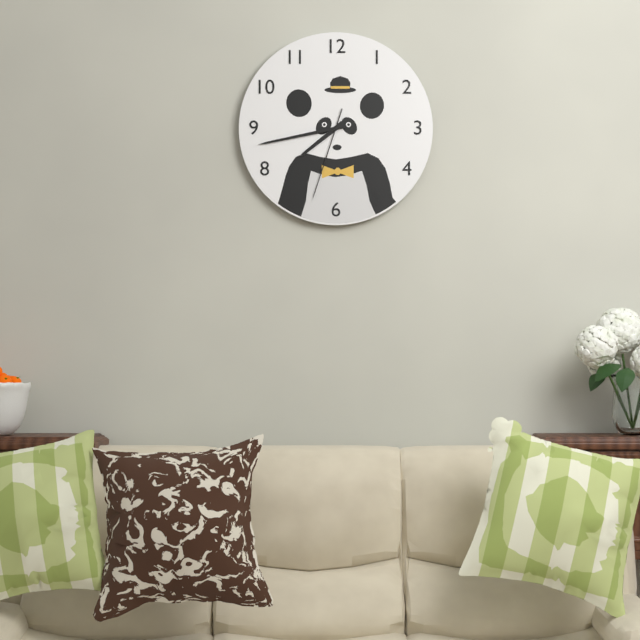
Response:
7h43m33s
